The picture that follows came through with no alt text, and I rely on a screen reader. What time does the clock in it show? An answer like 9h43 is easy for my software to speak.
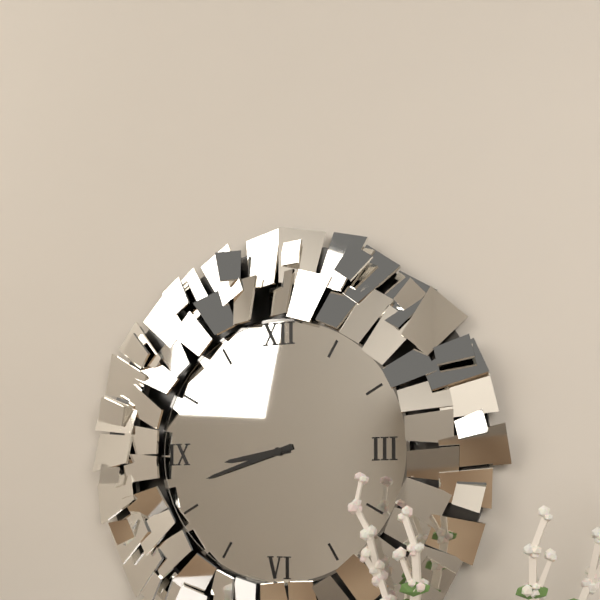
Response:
8h42
